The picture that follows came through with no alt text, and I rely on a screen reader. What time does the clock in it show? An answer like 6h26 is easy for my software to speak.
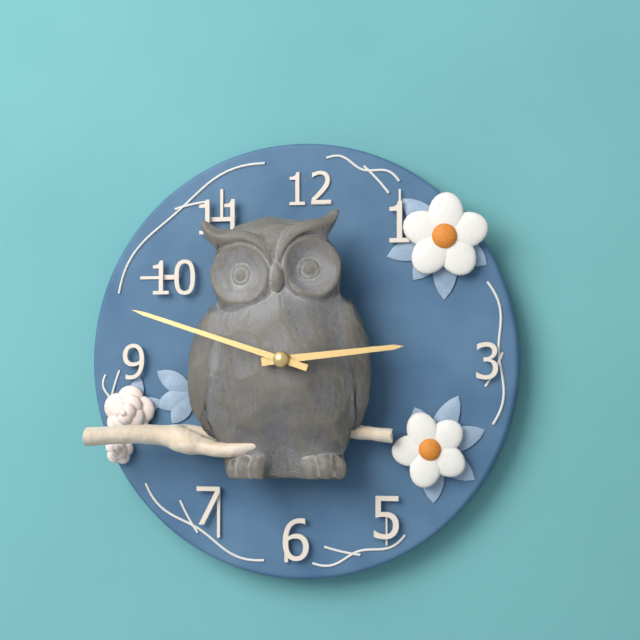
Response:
2h48
